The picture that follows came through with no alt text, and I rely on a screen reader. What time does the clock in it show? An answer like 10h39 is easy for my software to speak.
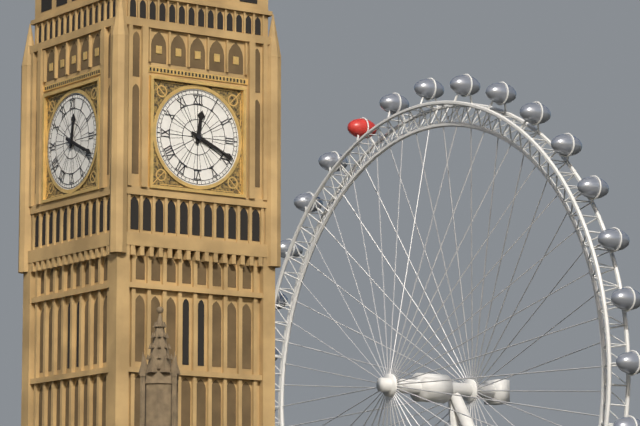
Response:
12h19
